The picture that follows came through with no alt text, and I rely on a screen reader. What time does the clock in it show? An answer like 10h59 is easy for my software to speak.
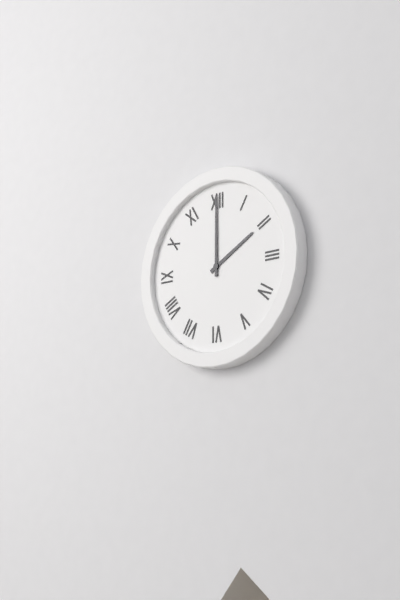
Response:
2h00
